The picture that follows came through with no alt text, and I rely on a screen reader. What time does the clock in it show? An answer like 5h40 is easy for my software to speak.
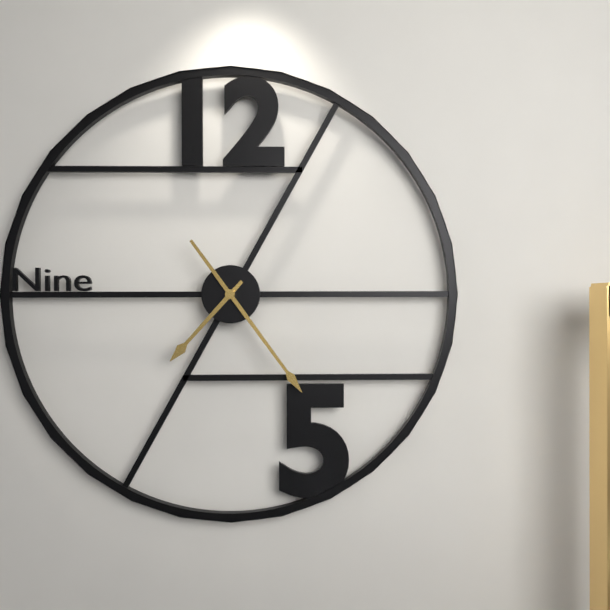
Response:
7h24
